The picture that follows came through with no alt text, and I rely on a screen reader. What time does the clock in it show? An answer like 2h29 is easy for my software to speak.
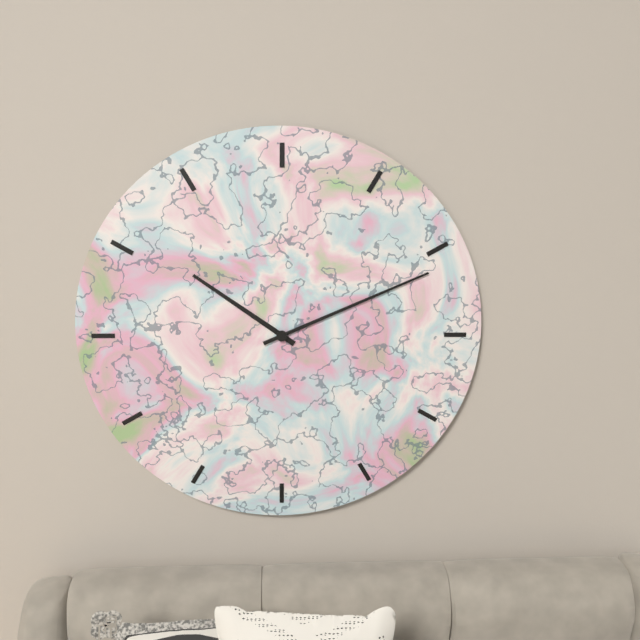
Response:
10h11
